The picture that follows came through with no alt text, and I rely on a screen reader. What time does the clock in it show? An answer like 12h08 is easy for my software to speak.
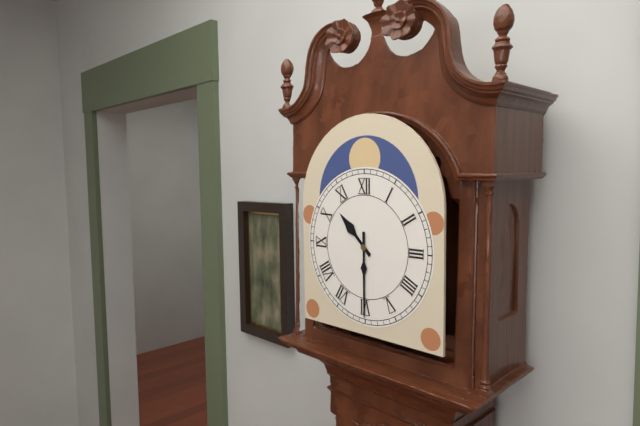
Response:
10h30
